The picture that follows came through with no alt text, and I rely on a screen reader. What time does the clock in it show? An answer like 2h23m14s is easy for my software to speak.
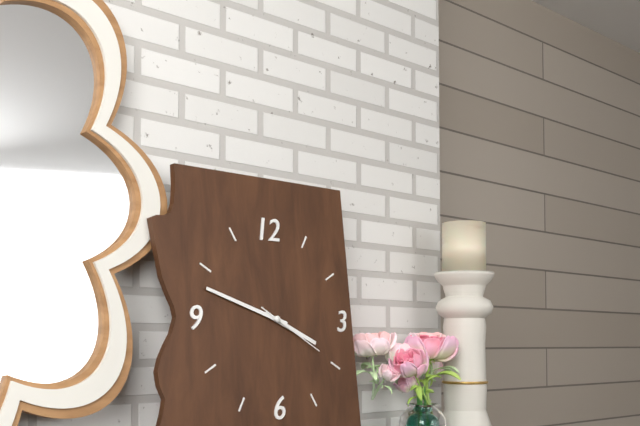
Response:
3h48m20s
